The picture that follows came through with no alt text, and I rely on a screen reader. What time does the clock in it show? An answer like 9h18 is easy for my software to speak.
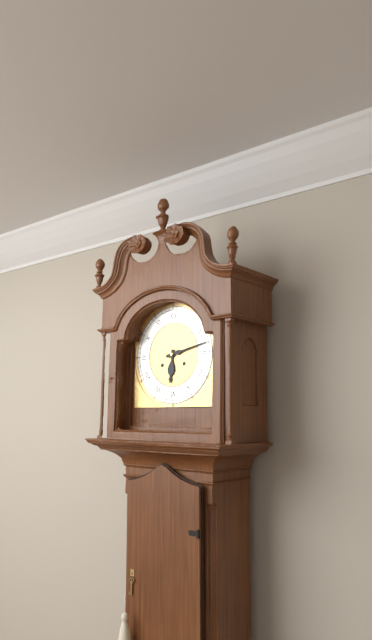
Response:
6h13
